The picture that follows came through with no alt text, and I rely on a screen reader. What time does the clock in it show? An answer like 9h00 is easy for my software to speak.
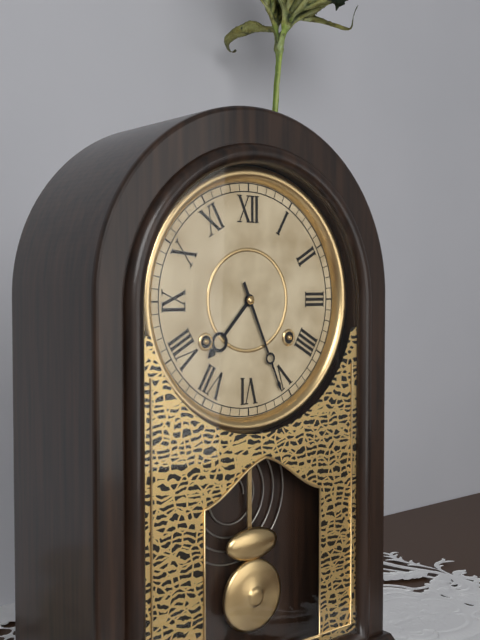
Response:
7h26
